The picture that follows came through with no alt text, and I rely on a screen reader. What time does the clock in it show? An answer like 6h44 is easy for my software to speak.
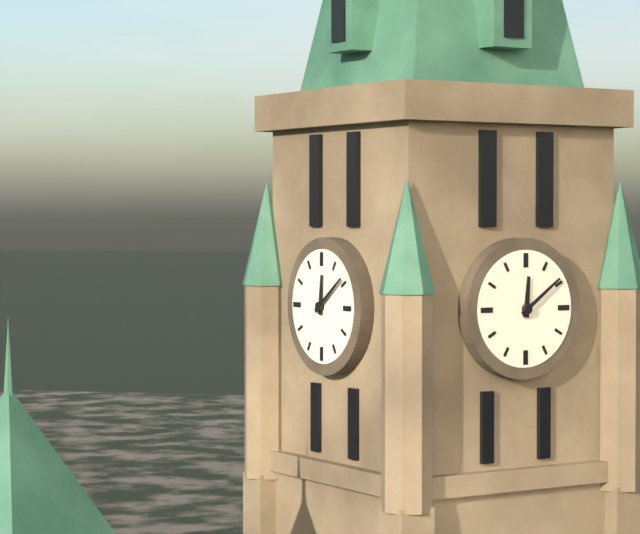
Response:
12h09
